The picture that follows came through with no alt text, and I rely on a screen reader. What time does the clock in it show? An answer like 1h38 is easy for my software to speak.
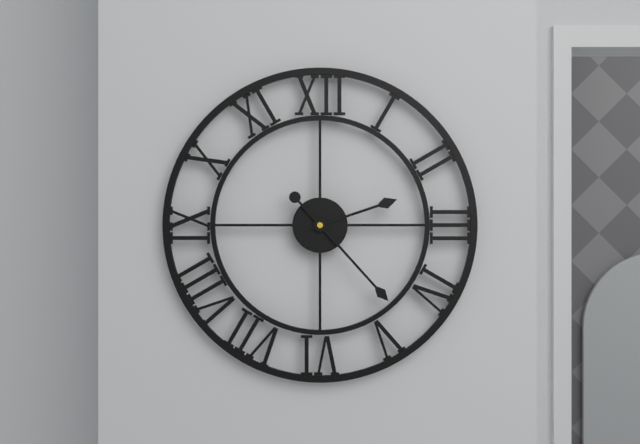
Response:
2h23
